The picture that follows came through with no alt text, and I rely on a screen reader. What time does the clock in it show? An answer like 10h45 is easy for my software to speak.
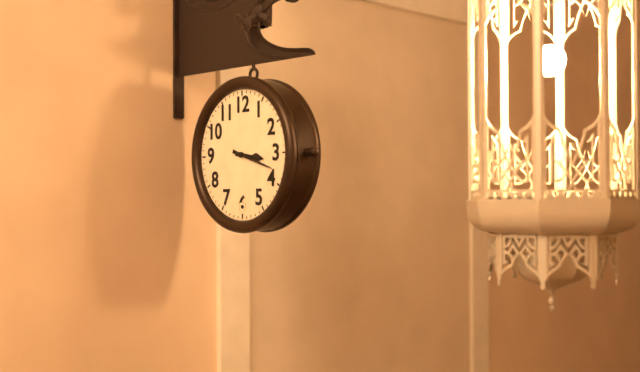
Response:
3h18
